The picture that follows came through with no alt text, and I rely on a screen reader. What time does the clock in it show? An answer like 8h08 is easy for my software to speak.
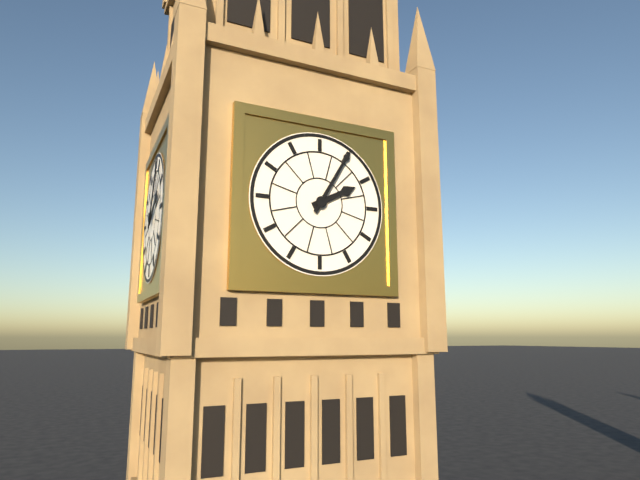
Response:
2h05
